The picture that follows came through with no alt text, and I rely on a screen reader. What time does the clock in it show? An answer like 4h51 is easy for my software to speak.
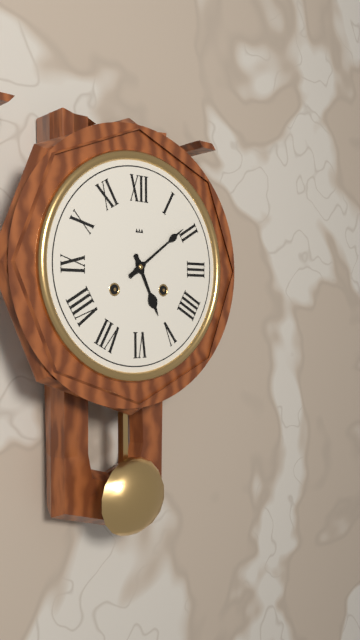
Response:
5h09
